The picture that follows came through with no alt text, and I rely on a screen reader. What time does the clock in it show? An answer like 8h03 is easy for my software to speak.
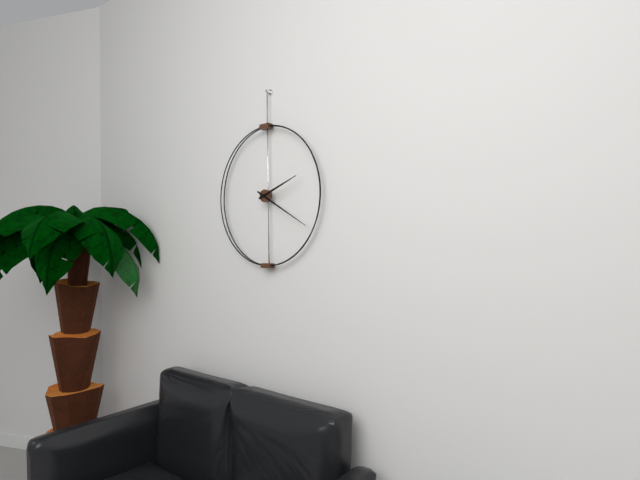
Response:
2h20
